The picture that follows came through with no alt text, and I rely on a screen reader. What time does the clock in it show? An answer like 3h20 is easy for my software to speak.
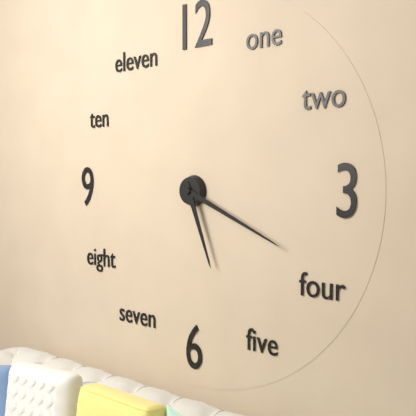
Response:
5h19
